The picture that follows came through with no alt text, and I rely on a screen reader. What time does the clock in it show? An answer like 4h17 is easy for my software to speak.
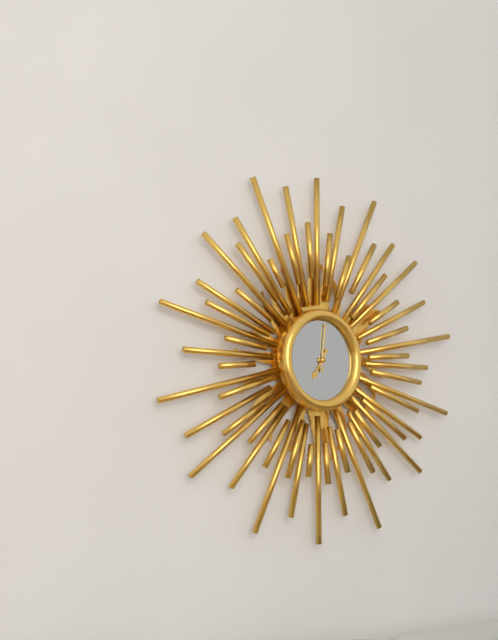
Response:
7h01
